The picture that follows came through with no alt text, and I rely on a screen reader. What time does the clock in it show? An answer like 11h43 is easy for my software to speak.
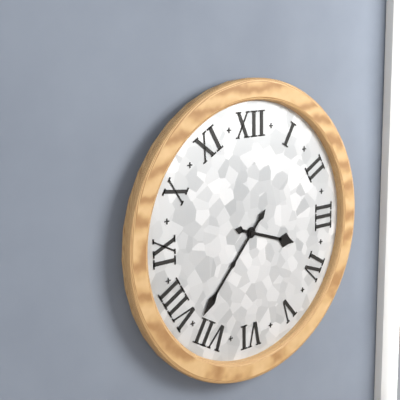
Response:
3h37
